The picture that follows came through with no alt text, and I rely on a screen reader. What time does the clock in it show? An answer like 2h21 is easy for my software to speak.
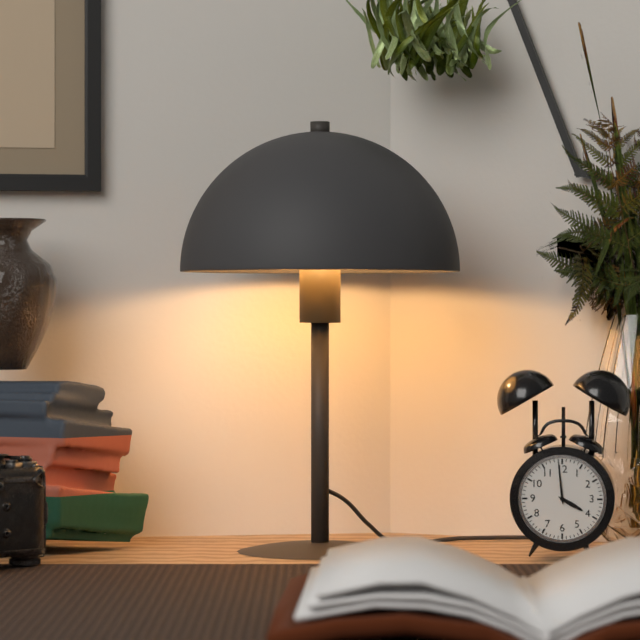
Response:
3h59
